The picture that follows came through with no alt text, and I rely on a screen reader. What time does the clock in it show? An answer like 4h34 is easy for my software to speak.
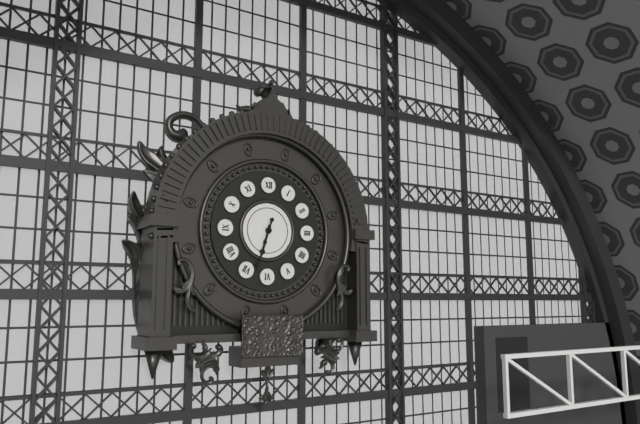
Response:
6h33
